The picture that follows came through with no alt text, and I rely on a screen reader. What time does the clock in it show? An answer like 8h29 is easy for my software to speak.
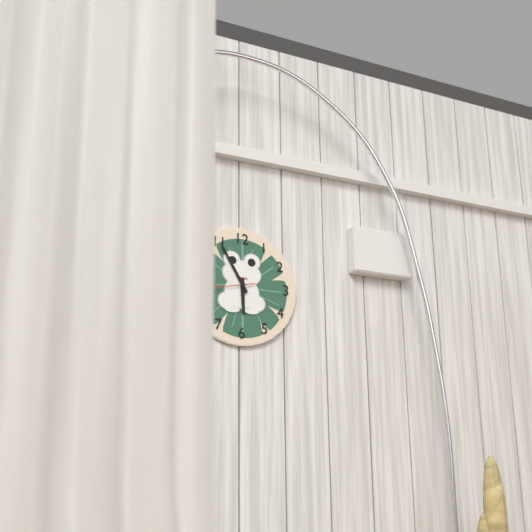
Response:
5h55
